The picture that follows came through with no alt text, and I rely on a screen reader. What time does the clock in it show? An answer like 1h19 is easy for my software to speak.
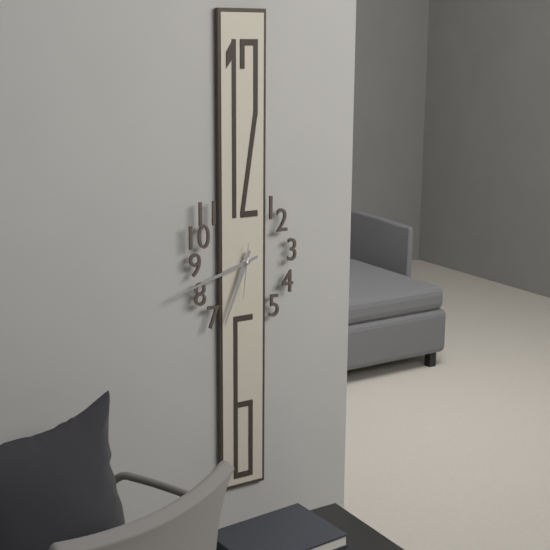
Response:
6h42
